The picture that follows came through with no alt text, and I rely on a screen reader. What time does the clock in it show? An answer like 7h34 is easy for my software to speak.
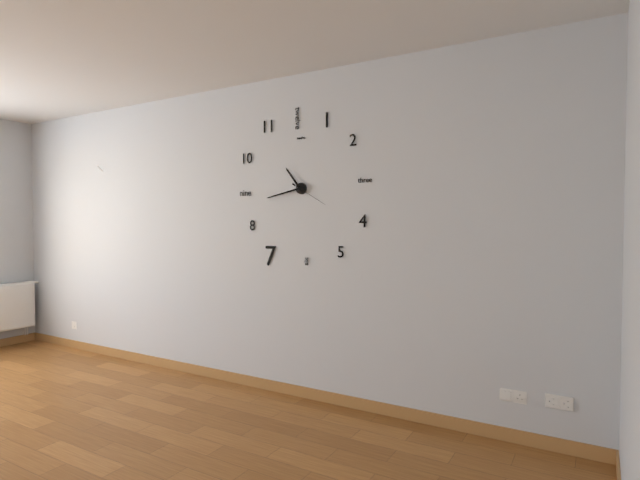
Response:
10h43
